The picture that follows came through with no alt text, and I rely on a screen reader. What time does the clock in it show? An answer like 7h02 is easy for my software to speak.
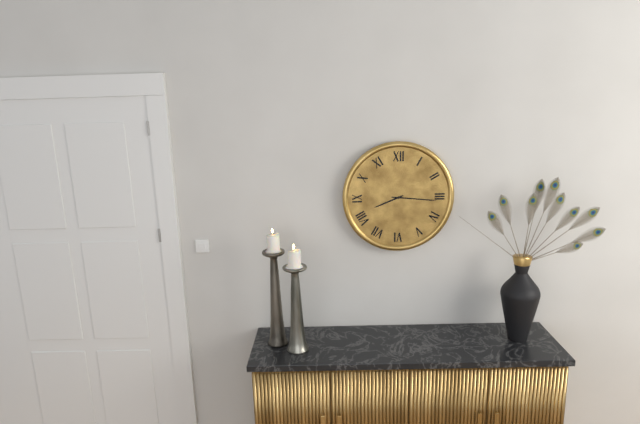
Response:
8h16
